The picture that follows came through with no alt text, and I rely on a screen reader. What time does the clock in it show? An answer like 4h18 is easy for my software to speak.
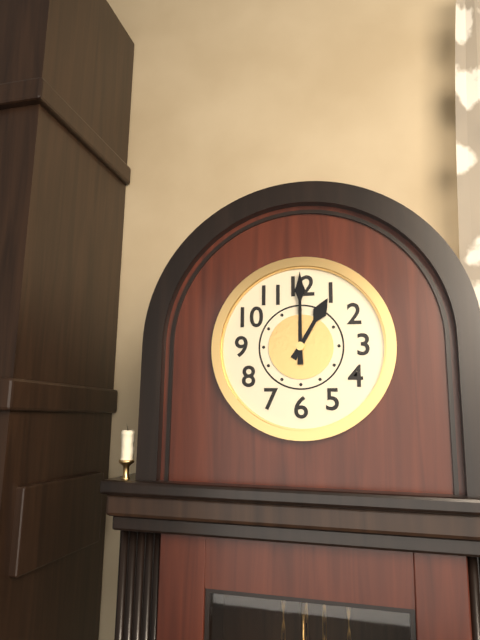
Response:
1h00
